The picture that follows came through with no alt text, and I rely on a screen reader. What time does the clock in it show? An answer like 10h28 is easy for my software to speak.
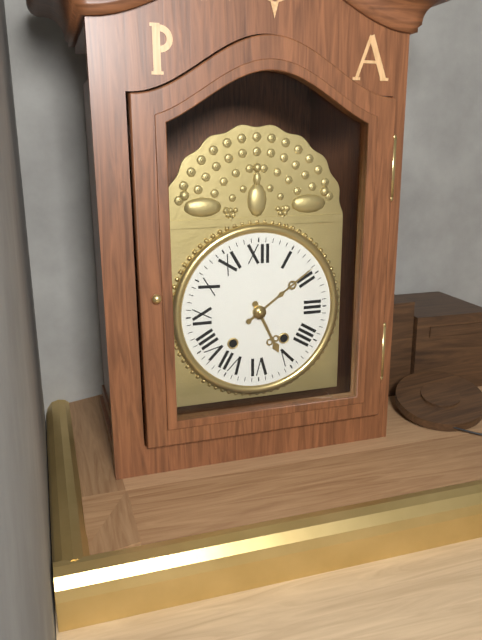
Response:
5h09
